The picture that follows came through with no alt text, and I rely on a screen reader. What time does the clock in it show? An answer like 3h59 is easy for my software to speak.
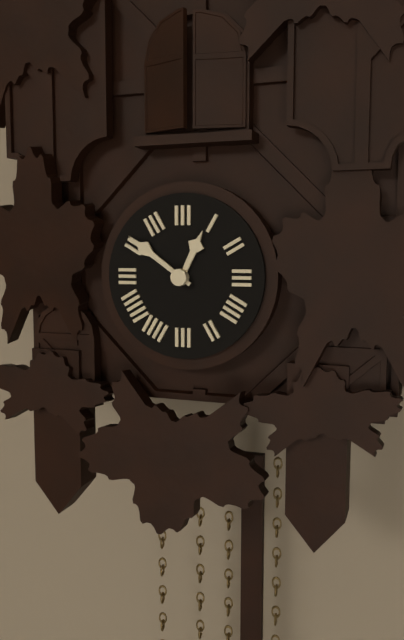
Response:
12h51
